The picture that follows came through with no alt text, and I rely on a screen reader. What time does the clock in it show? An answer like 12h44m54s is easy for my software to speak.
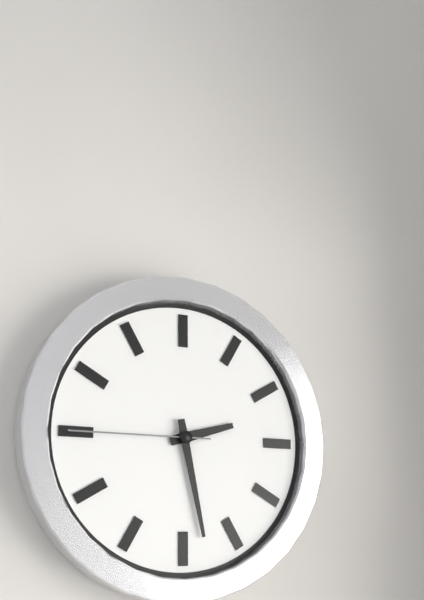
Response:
2h28m45s
